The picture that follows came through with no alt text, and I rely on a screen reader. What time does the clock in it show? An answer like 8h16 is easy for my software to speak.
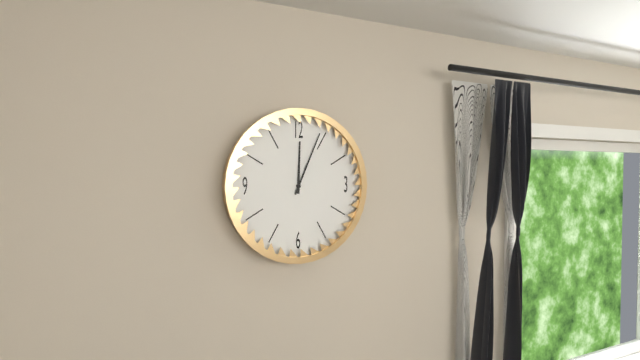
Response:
12h04
